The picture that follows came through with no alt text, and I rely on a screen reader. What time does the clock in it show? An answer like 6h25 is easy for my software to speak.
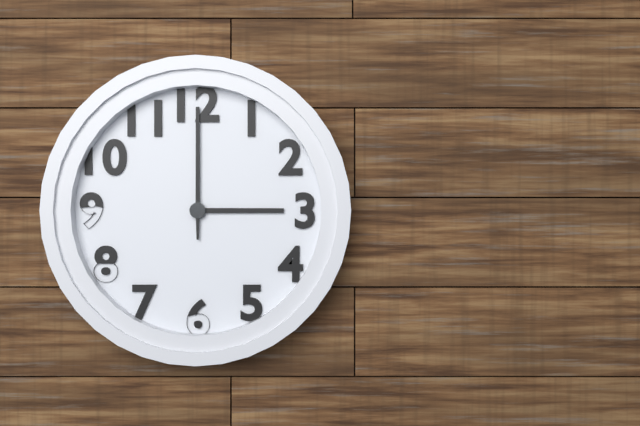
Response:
3h00
